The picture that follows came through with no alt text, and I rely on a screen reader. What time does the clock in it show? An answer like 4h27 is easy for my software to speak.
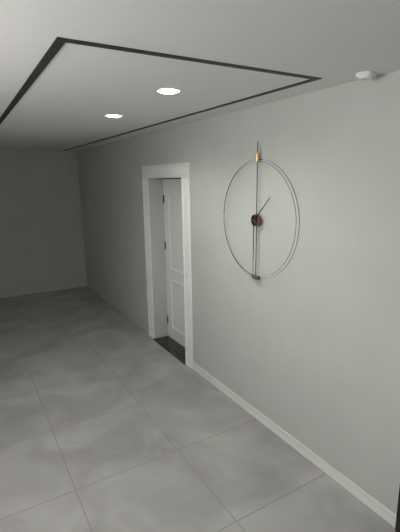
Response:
1h30
